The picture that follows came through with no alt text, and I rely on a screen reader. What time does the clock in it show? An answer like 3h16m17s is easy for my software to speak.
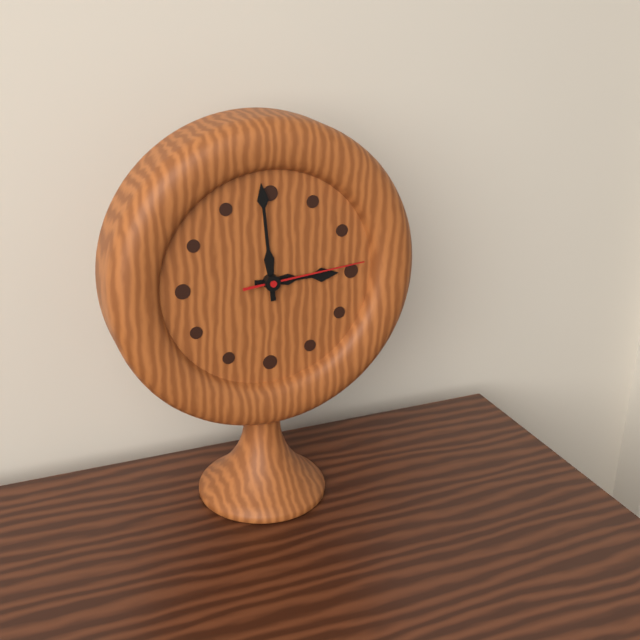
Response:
2h59m14s
